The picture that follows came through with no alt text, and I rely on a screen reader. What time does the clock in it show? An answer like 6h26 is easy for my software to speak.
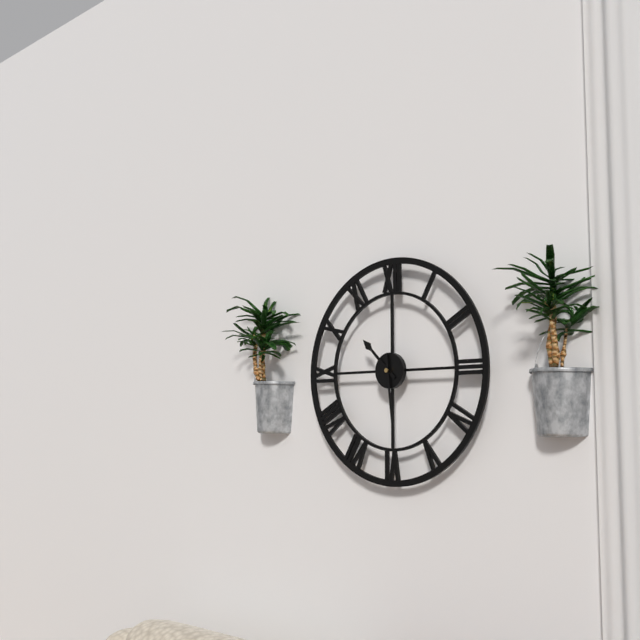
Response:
10h29
